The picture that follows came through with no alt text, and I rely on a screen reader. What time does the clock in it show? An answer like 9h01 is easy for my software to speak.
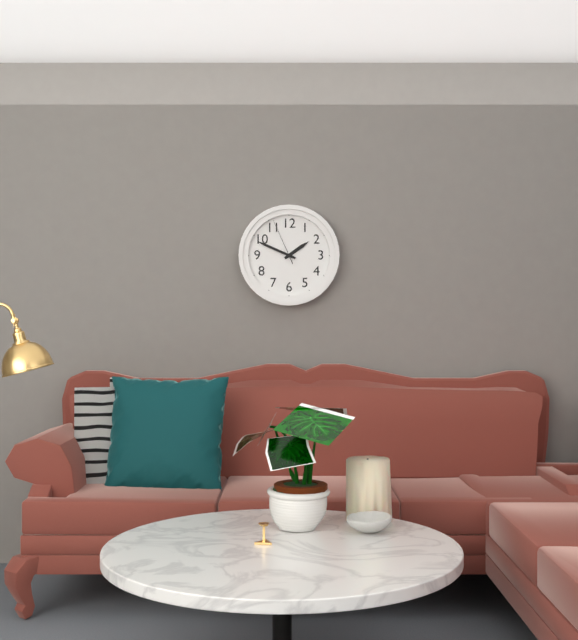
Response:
1h49
